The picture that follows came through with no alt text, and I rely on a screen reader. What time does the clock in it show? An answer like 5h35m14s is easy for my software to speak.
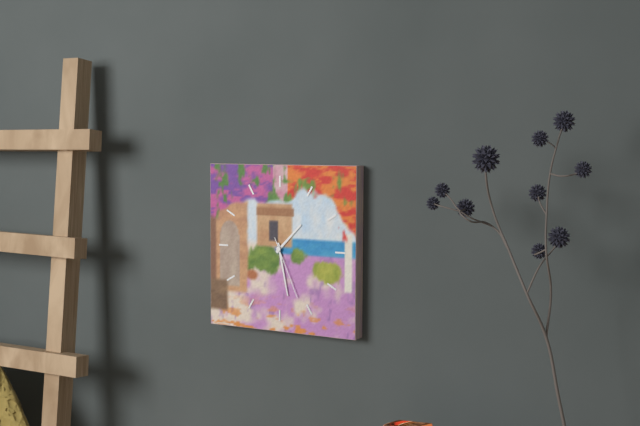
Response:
1h28m26s
